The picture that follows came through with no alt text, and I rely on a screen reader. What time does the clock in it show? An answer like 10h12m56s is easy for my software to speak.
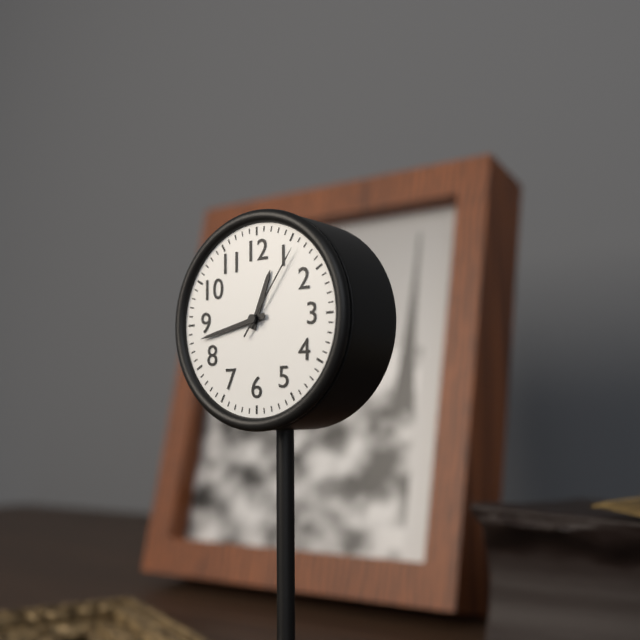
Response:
12h43m06s
